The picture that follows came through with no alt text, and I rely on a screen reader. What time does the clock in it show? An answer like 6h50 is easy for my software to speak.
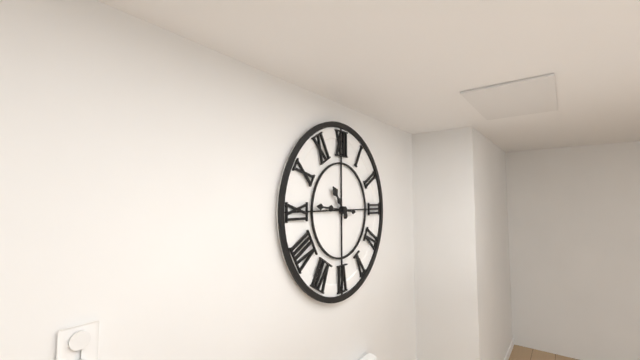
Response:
10h46
